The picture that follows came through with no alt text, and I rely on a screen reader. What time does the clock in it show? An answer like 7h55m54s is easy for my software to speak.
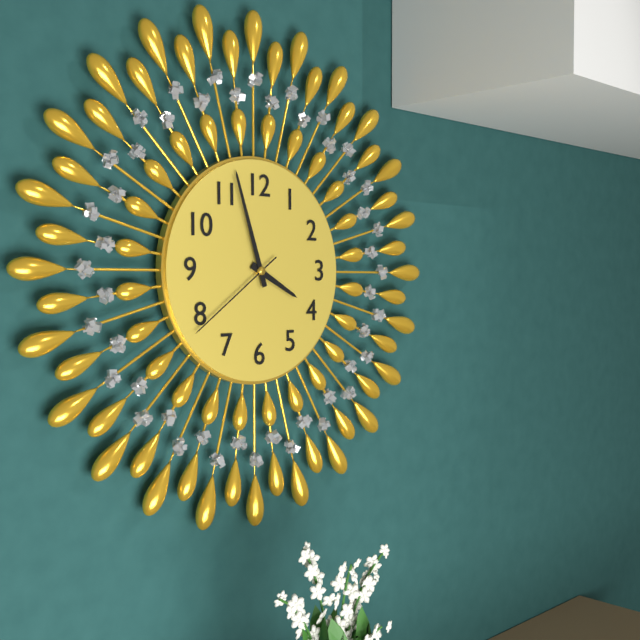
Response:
3h57m39s
